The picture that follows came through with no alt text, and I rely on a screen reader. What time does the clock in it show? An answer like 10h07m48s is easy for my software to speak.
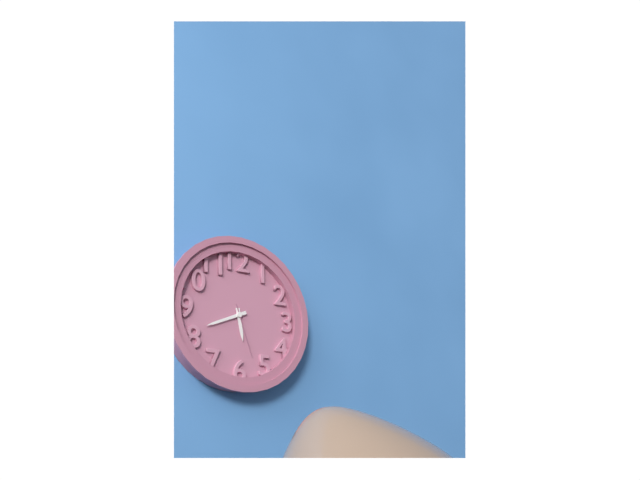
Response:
5h41m27s
